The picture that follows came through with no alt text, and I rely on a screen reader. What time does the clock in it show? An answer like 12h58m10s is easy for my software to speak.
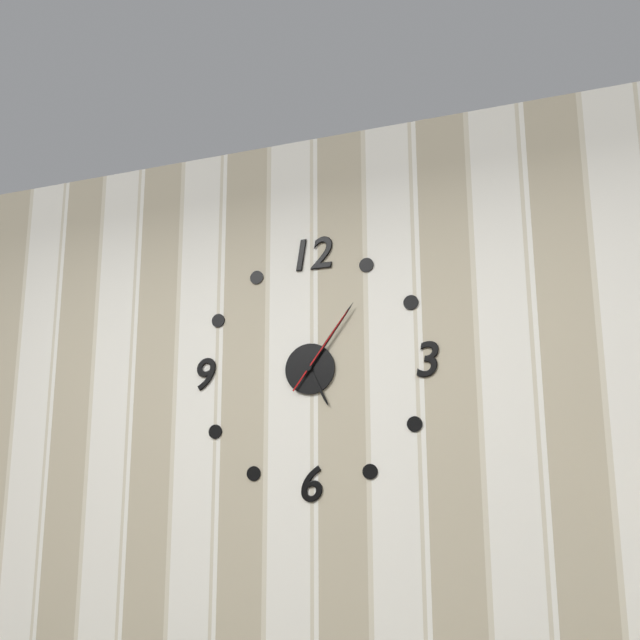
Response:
5h06m06s
